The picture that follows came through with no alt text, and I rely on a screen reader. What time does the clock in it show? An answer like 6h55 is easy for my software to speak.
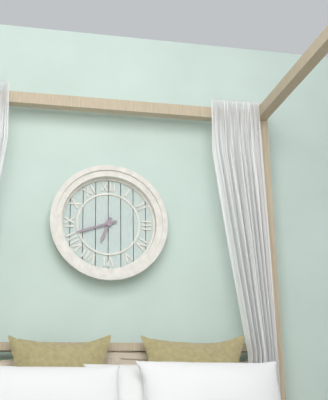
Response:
6h42
